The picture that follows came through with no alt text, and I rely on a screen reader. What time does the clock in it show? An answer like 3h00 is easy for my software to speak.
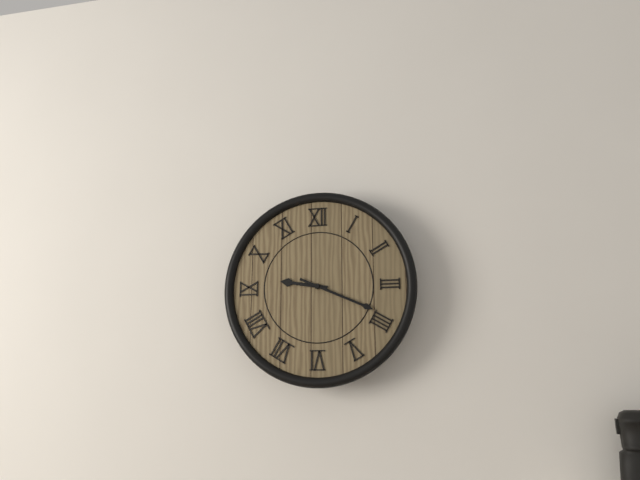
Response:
9h19
